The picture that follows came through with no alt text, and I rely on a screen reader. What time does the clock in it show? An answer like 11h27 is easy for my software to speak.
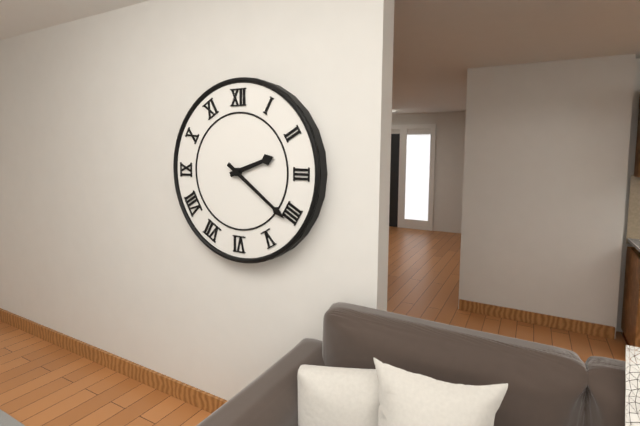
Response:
2h21
